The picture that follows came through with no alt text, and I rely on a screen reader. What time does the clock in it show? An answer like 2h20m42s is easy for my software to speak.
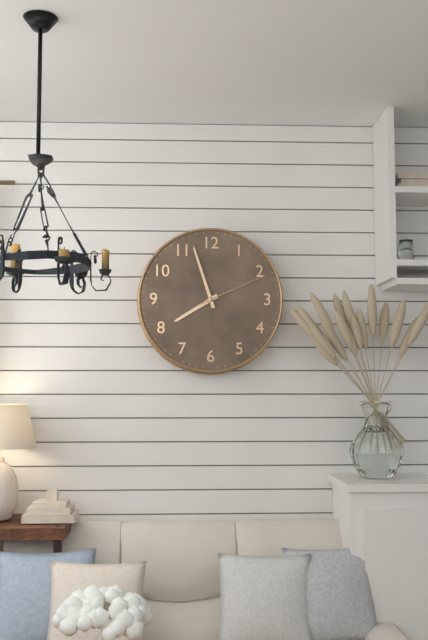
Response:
7h57m11s
